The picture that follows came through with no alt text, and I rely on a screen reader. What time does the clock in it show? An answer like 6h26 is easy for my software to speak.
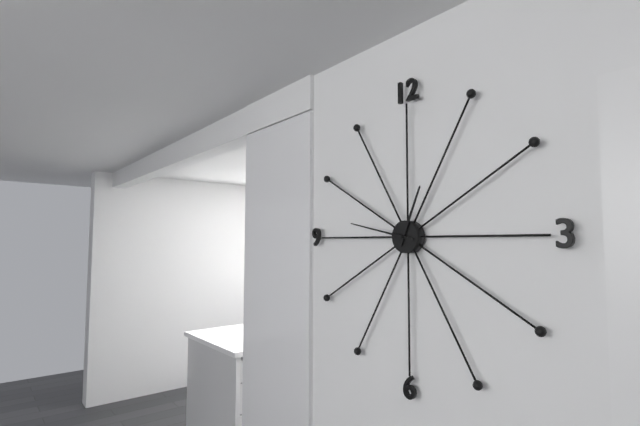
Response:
12h47
